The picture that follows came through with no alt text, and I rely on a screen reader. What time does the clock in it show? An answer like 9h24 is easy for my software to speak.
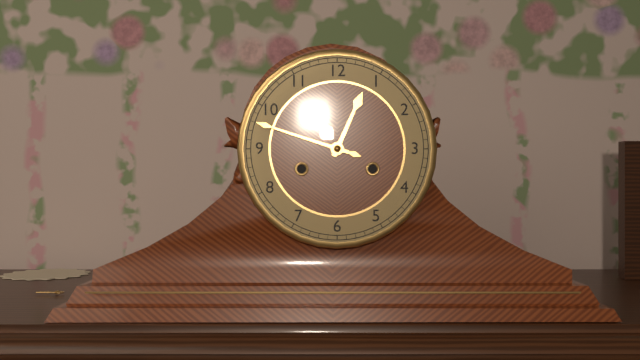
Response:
12h48
